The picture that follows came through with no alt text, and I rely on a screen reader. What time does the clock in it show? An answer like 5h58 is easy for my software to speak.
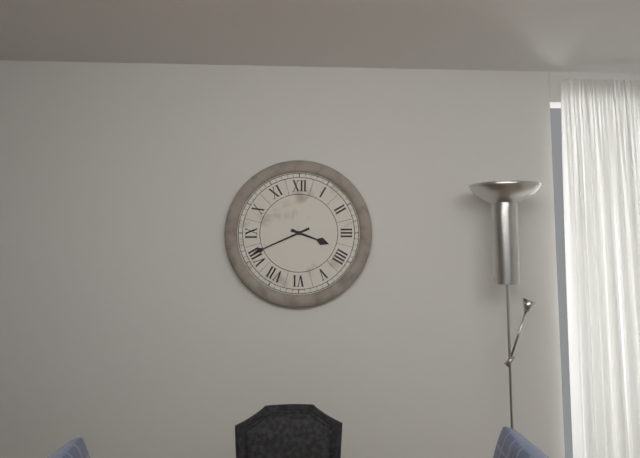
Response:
3h41
